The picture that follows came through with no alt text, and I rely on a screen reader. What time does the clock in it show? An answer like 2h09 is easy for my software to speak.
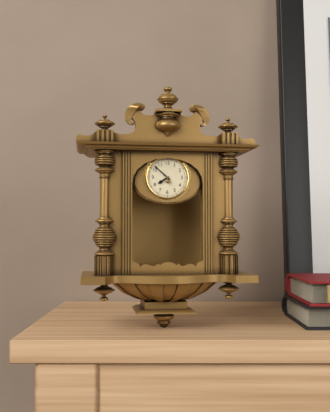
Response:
7h52
